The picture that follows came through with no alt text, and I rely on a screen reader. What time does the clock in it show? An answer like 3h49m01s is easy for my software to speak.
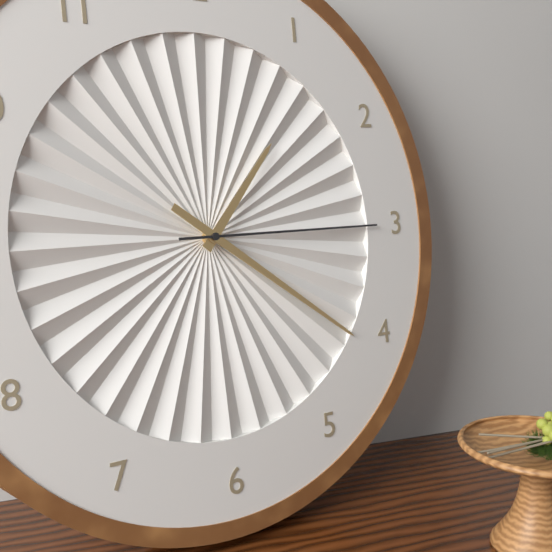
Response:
1h21m15s
